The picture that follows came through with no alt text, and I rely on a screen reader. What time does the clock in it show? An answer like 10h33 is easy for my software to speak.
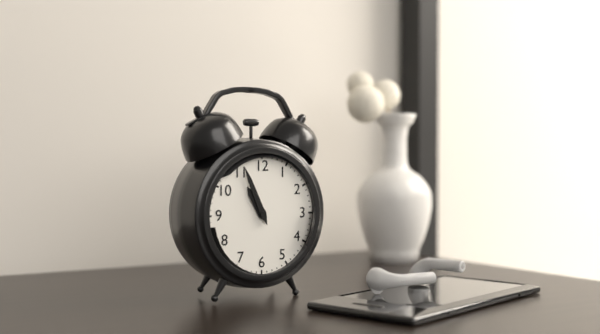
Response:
10h56
